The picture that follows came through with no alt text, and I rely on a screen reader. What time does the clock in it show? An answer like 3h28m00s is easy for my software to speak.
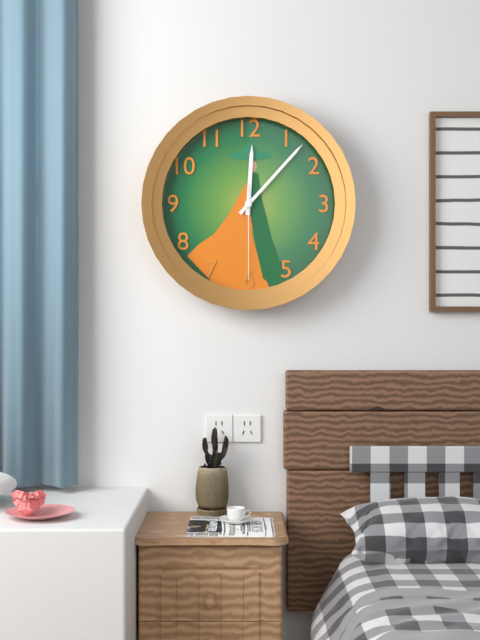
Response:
12h07m30s
